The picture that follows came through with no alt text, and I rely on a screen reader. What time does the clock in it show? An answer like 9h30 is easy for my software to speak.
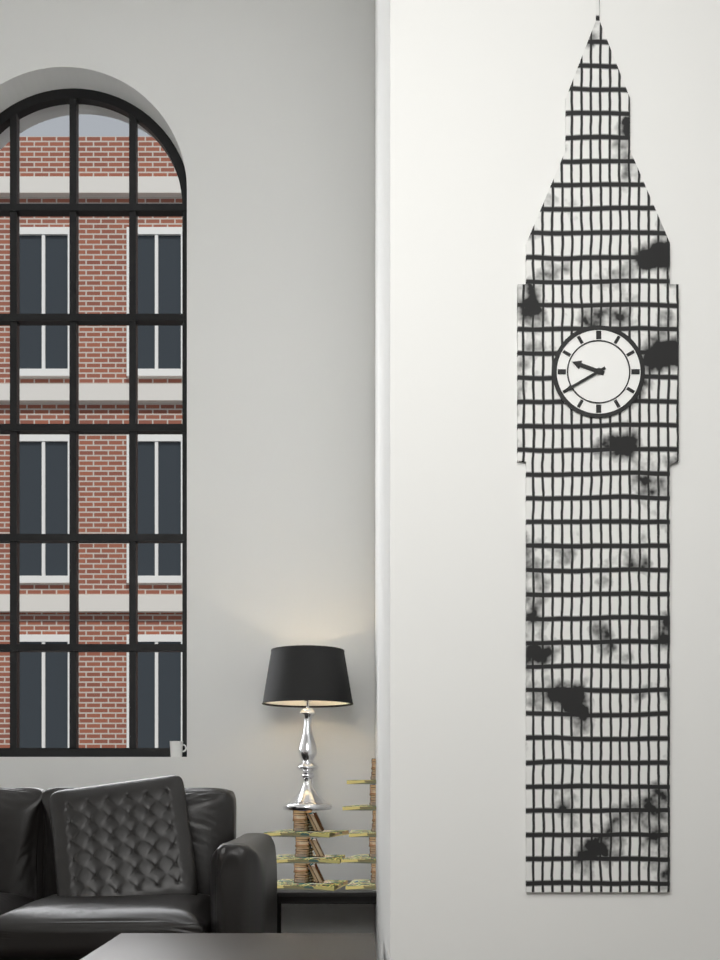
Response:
9h40
